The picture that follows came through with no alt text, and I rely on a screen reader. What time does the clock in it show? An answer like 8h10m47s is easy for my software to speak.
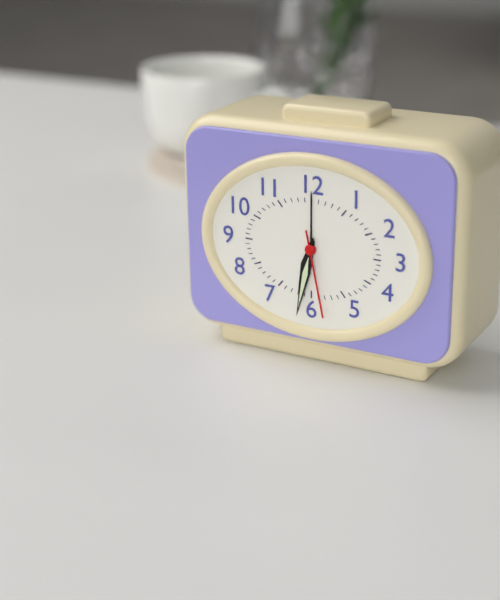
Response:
6h32m28s
